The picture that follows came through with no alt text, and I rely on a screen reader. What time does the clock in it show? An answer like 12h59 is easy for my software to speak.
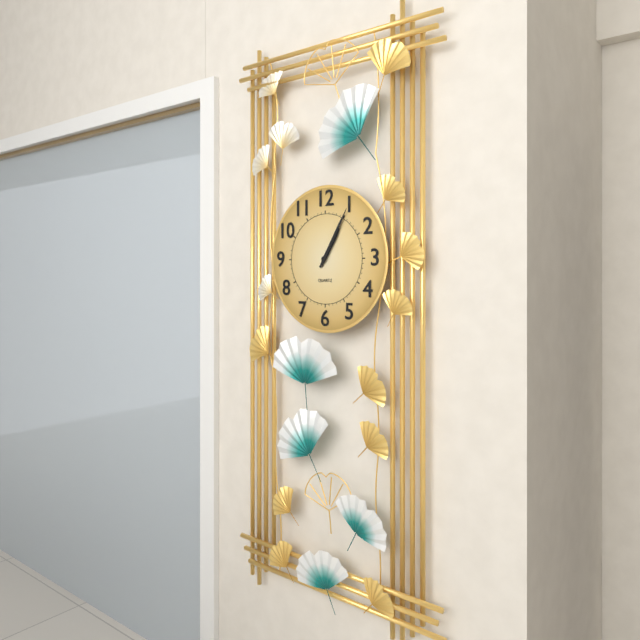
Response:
1h05
